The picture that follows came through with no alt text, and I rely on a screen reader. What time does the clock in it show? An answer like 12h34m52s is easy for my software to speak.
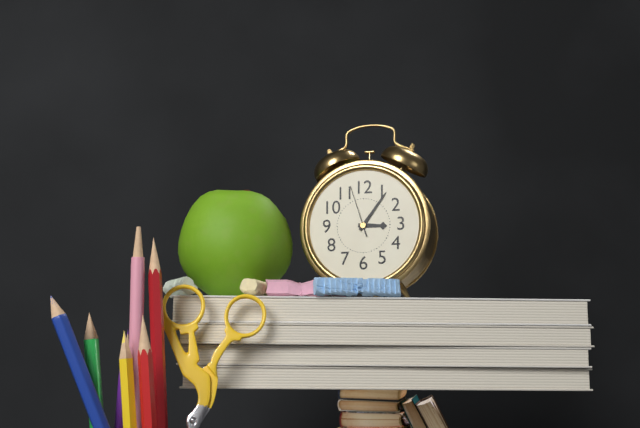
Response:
3h06m57s
